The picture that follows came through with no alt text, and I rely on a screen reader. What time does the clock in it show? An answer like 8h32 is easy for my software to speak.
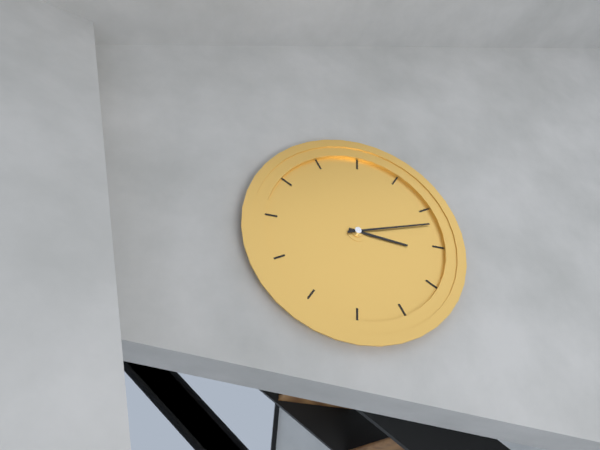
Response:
3h12
